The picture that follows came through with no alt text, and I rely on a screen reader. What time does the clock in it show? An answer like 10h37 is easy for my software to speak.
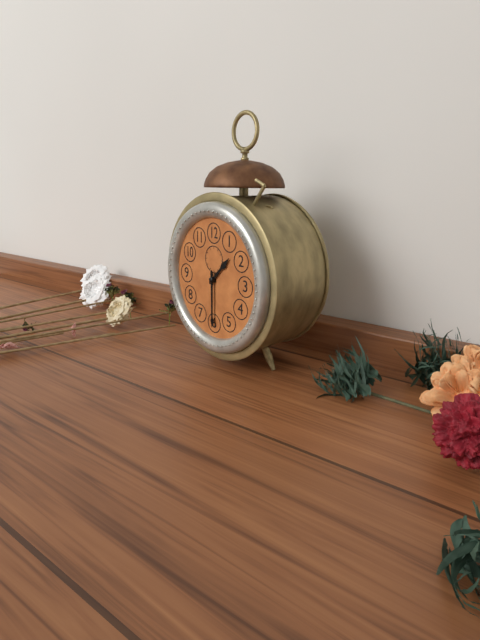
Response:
1h30
